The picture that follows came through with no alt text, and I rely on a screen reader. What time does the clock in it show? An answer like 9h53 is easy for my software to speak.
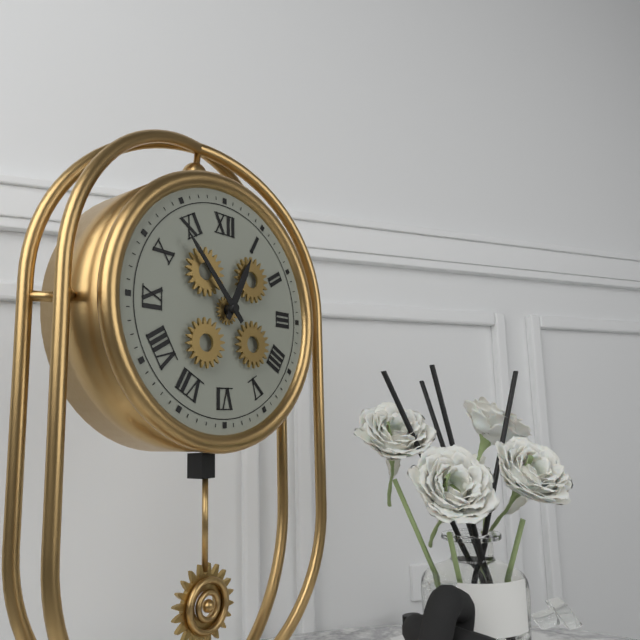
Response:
12h53
